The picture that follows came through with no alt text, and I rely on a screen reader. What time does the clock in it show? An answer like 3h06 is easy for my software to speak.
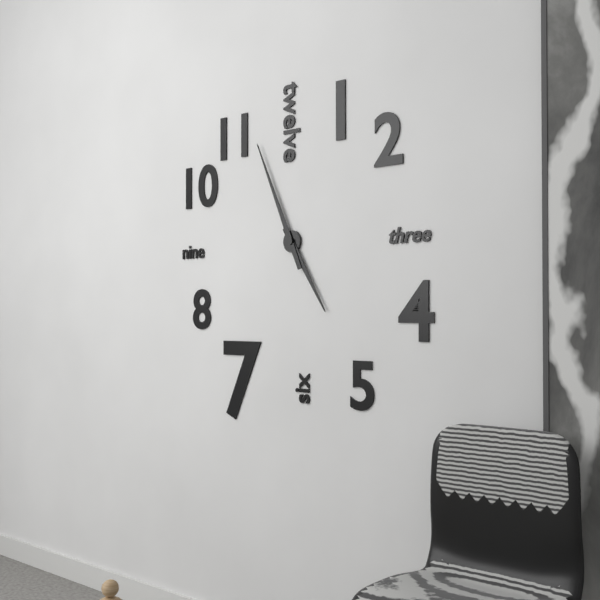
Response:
4h56
